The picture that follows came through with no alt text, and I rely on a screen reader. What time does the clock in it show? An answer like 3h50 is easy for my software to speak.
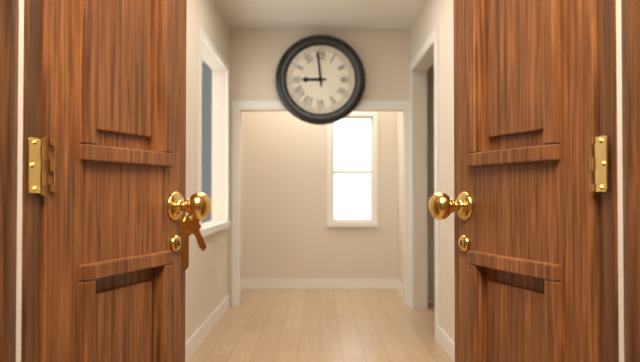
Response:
8h59
